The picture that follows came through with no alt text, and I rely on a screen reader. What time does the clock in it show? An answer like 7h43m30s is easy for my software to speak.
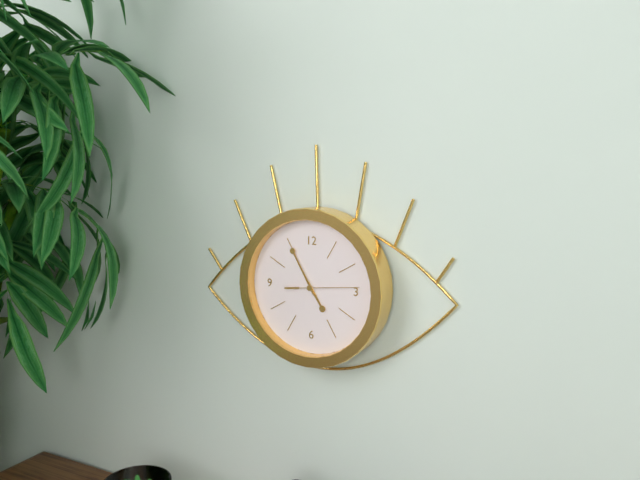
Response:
4h55m14s
